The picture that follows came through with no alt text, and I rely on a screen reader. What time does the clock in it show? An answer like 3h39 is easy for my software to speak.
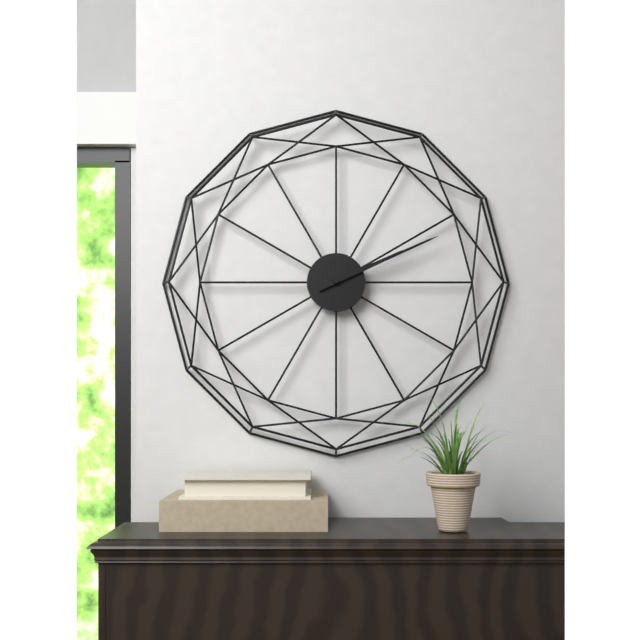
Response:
2h11
